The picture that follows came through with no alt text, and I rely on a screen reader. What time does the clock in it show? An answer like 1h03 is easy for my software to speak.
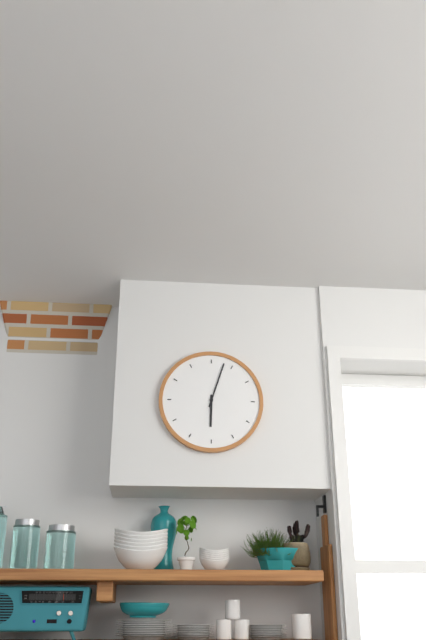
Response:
6h03
